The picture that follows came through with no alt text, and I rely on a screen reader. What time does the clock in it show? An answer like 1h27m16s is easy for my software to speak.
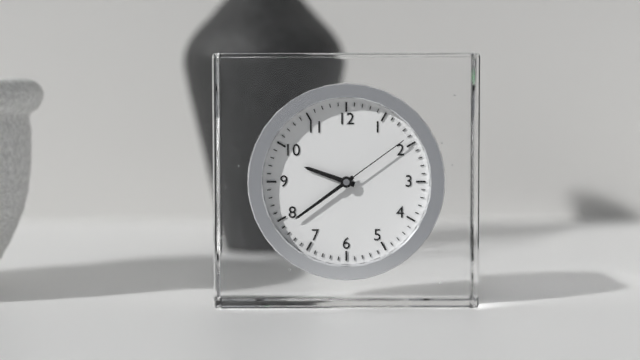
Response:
9h39m09s
